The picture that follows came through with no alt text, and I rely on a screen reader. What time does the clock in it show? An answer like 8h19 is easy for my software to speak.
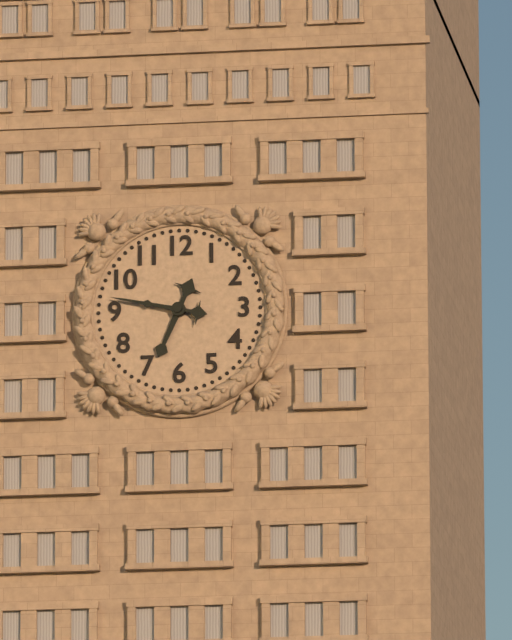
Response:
6h47
